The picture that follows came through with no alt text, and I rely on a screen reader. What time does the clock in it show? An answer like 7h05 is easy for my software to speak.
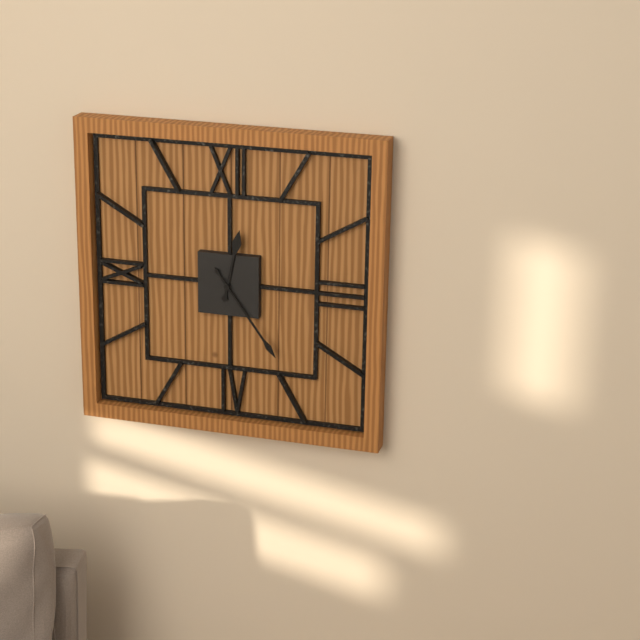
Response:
12h24
